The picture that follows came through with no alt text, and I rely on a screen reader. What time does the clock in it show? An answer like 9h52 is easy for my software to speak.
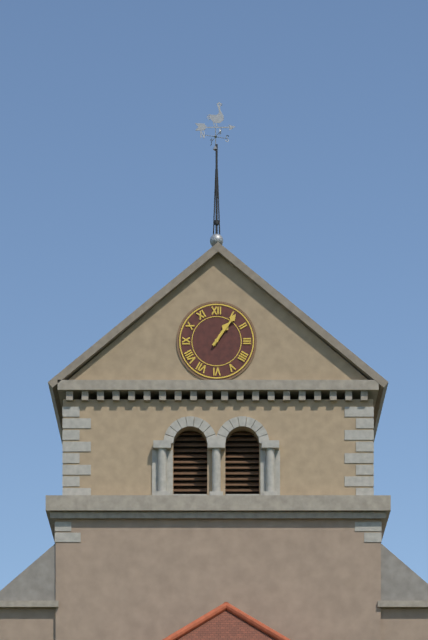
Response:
1h06
